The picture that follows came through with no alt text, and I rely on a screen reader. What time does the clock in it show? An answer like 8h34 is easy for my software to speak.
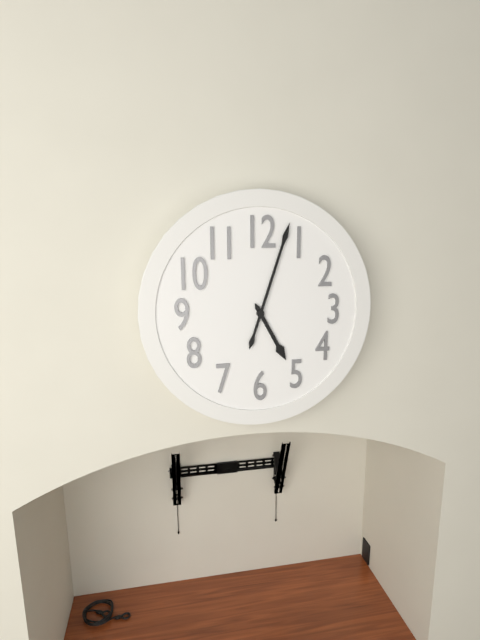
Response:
5h03
